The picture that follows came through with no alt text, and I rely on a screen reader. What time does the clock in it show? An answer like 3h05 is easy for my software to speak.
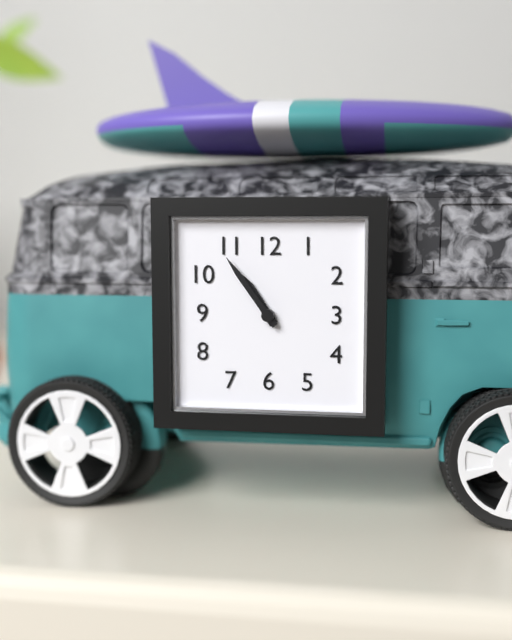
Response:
10h54
